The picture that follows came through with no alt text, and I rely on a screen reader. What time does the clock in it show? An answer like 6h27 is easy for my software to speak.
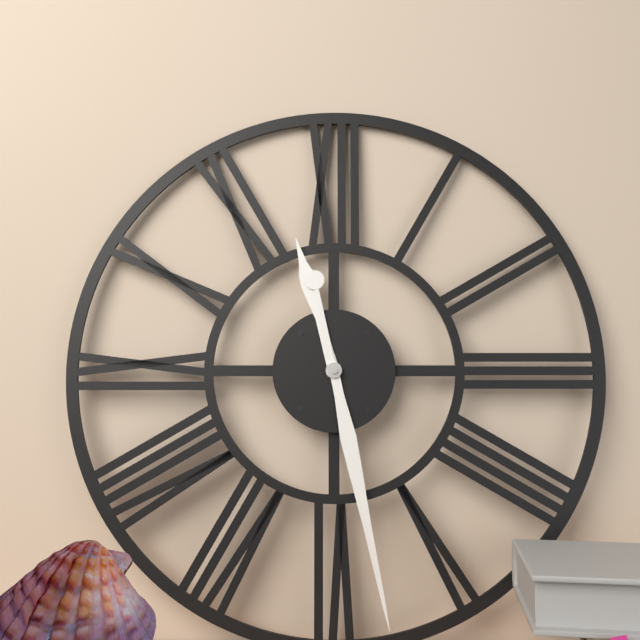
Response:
11h28
